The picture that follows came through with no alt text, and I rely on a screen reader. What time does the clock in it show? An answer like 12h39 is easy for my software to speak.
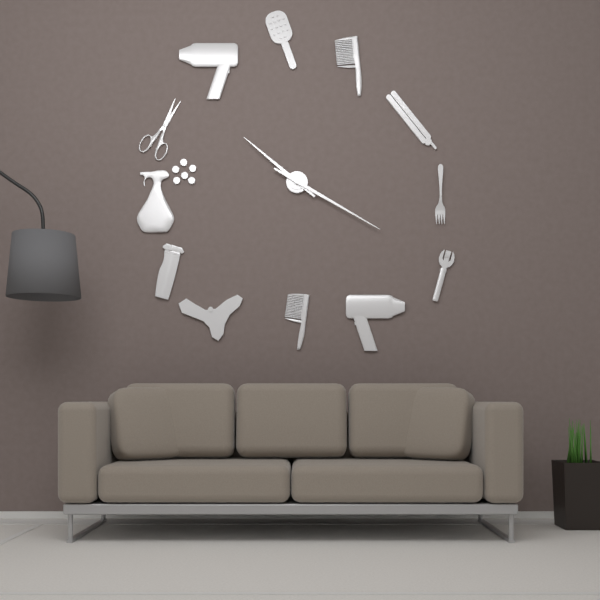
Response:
10h20
